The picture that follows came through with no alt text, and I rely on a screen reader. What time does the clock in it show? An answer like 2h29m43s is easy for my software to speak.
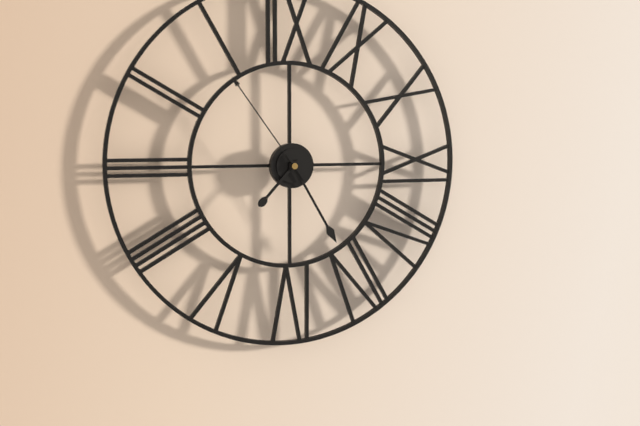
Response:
7h25m54s
